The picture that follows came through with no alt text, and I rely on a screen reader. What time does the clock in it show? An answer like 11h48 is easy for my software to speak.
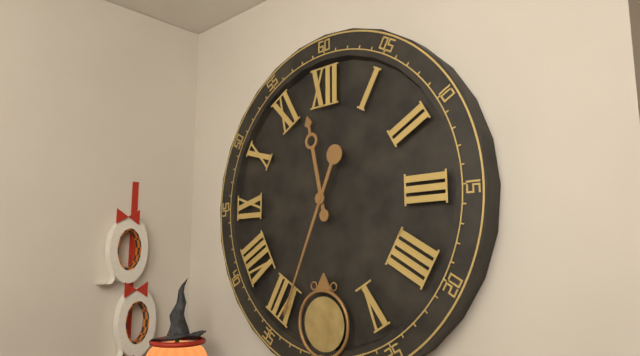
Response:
11h34
